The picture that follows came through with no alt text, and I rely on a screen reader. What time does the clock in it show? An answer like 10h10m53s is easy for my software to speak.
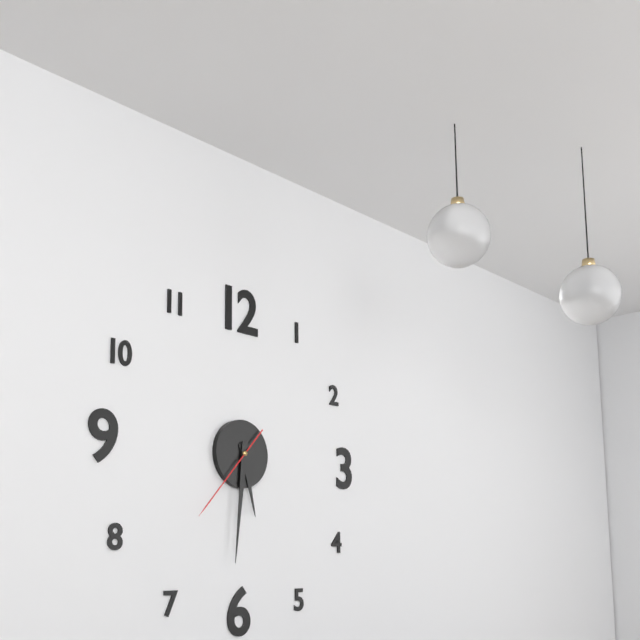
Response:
5h31m37s
